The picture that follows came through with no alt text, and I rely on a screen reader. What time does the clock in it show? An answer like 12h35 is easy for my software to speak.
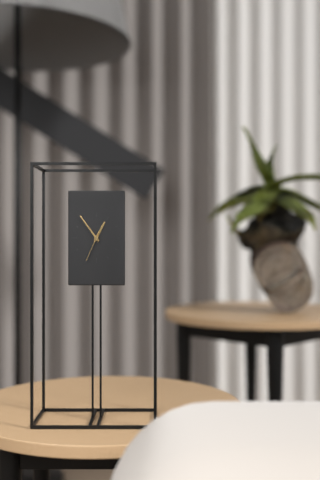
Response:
12h54
